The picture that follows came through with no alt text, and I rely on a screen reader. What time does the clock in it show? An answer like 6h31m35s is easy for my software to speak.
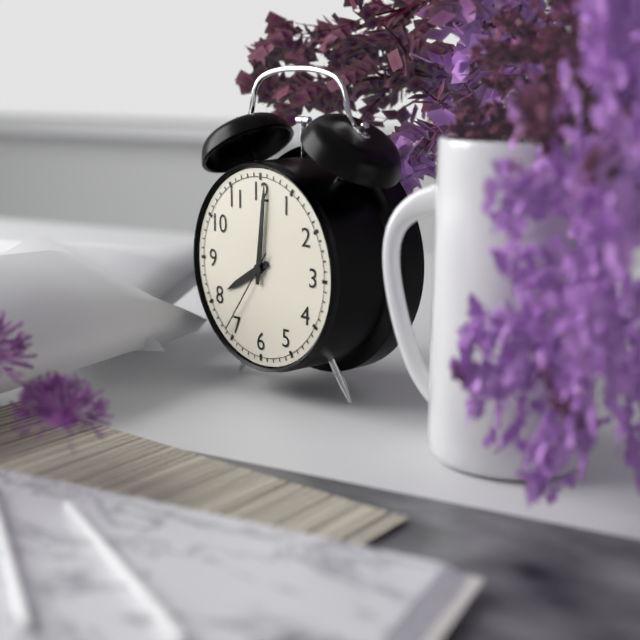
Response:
8h01m36s
